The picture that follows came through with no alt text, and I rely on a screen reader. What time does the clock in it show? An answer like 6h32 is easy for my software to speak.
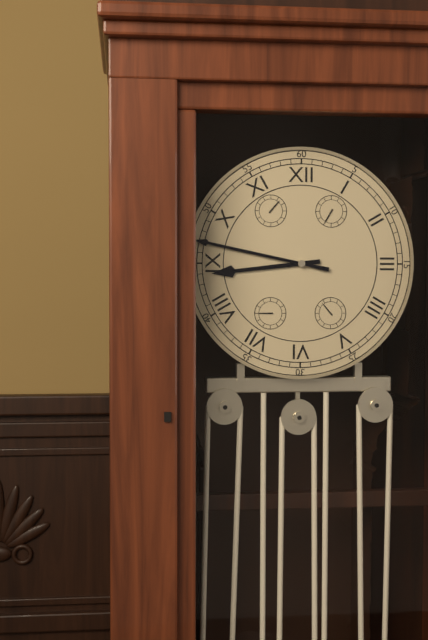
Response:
8h47
